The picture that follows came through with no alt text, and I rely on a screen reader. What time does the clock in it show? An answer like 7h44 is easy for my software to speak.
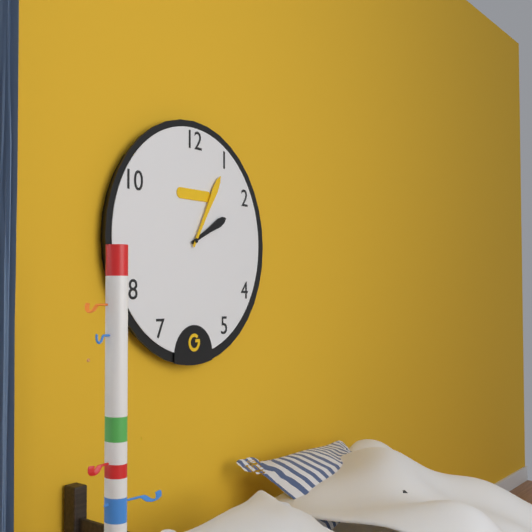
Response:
2h05
